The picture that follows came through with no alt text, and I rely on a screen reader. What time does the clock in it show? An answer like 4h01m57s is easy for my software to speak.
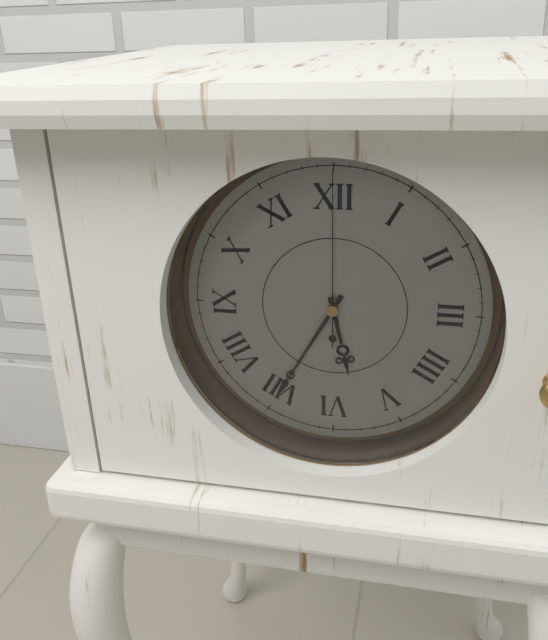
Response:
5h35m00s
